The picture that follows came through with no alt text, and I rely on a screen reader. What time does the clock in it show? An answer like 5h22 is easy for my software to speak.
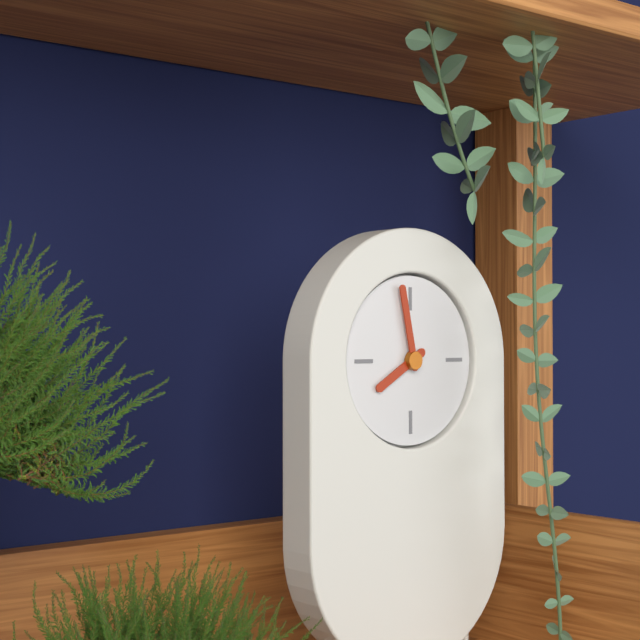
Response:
7h58
